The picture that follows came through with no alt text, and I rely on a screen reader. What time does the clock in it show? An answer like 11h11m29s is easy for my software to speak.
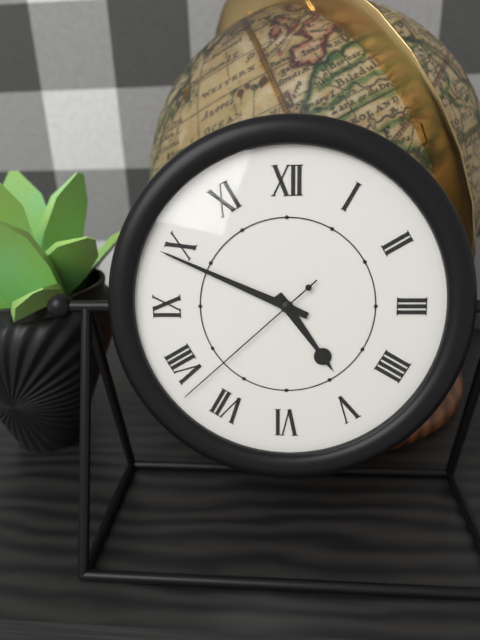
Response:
4h49m38s
